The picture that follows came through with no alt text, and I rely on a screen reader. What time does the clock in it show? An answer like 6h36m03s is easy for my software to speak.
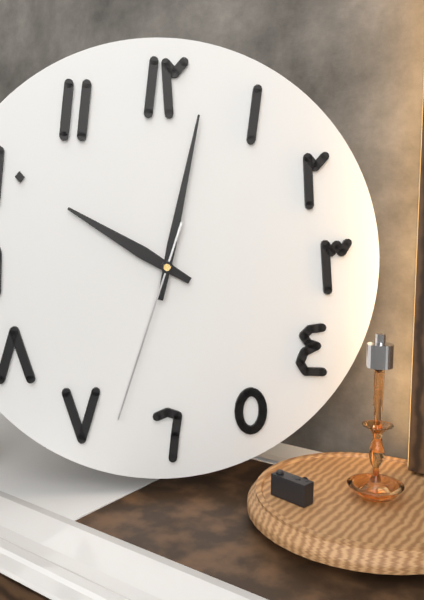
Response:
10h02m33s
